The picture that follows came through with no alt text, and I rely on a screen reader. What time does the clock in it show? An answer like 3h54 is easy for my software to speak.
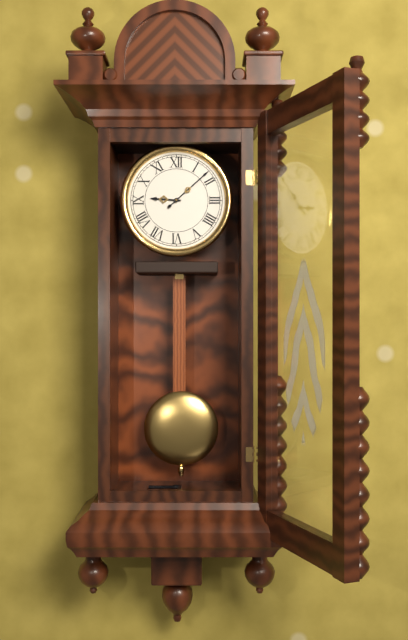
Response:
9h08
